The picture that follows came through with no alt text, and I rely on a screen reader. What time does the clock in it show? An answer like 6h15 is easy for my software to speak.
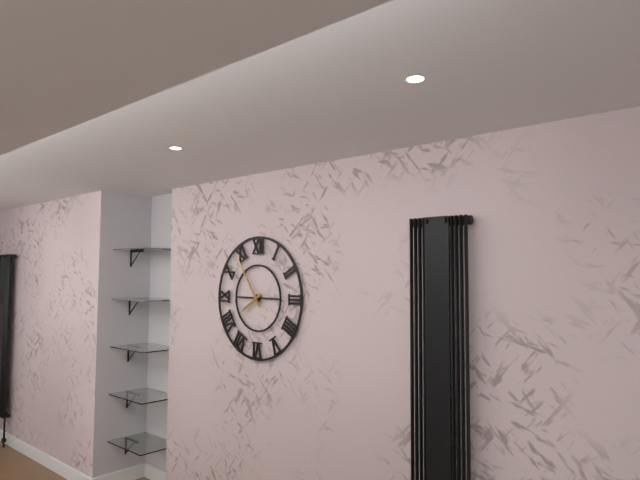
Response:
7h54
